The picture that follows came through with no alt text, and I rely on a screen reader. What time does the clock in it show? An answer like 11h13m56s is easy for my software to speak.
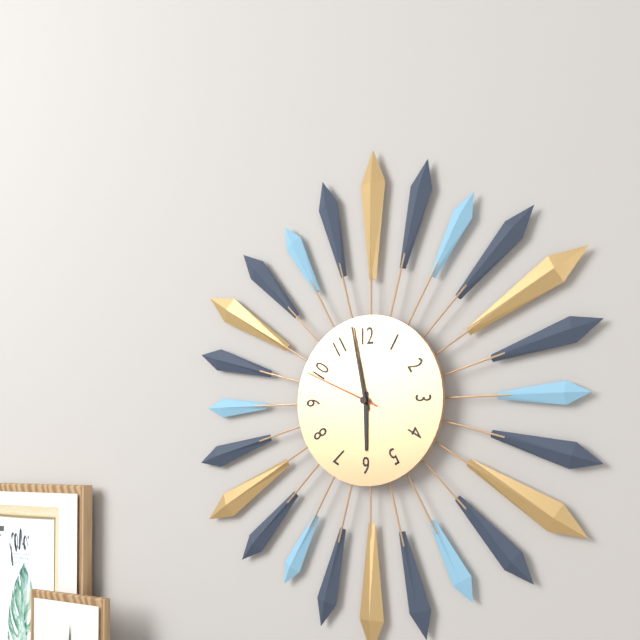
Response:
5h58m49s
